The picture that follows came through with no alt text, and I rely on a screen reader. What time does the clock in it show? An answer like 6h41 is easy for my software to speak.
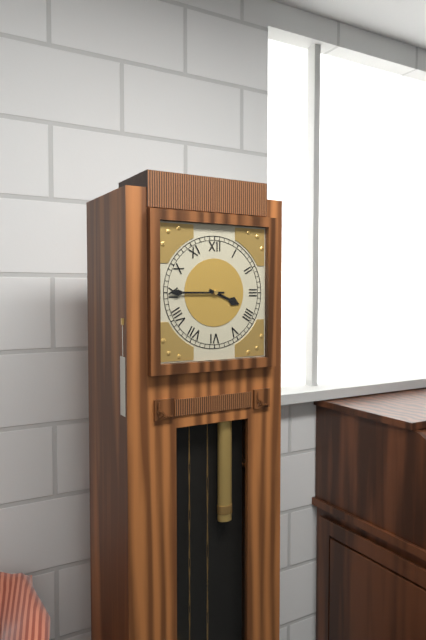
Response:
3h45
